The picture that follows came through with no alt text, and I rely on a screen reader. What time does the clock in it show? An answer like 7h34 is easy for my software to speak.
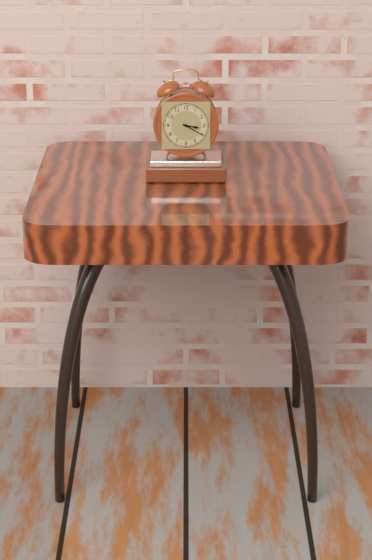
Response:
3h20
